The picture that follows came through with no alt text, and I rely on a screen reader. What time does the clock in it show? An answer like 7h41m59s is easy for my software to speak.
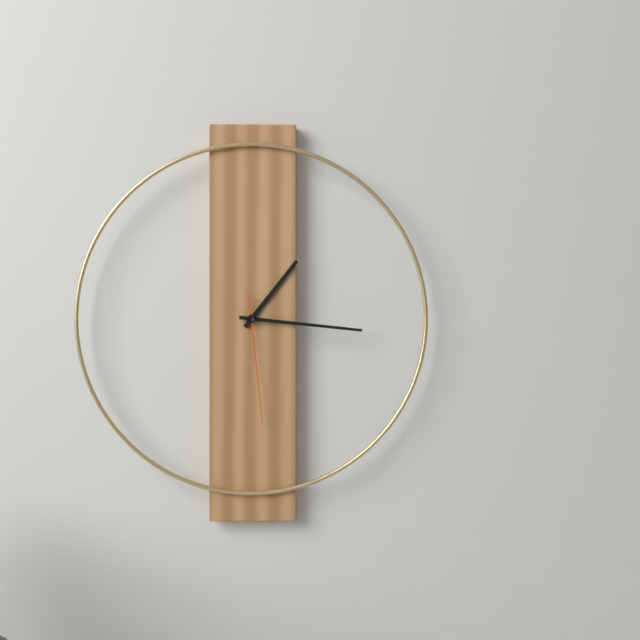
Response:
1h16m29s
